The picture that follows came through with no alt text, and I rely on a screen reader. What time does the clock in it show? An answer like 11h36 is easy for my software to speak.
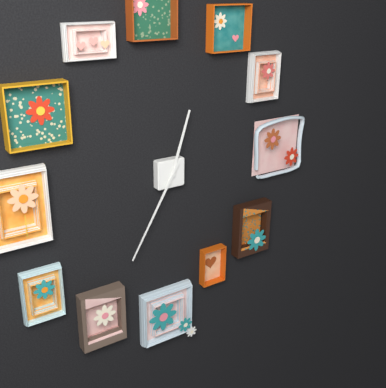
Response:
12h35
